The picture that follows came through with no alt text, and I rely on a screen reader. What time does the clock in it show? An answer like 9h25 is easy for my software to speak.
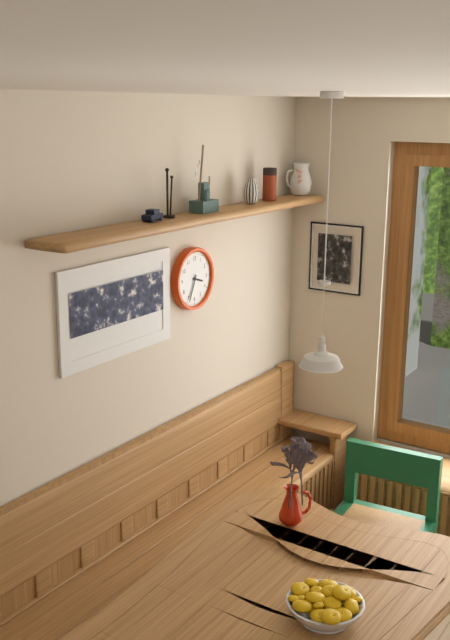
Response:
3h34
